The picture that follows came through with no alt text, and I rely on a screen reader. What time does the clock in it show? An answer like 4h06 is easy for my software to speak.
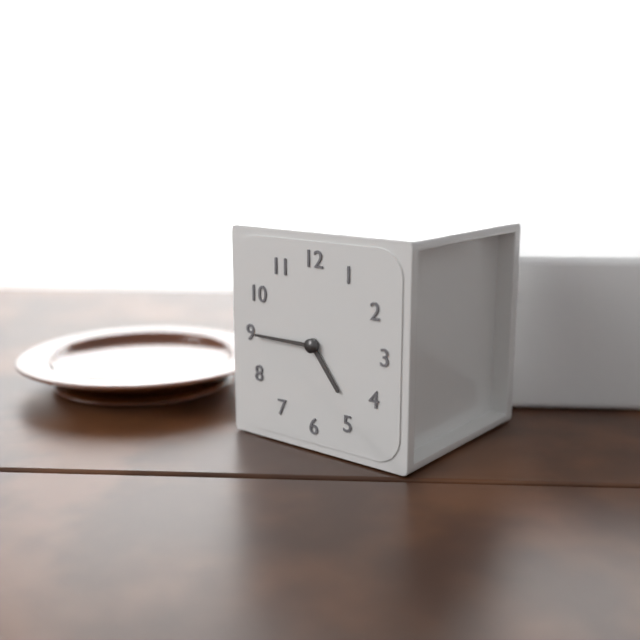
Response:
4h45
